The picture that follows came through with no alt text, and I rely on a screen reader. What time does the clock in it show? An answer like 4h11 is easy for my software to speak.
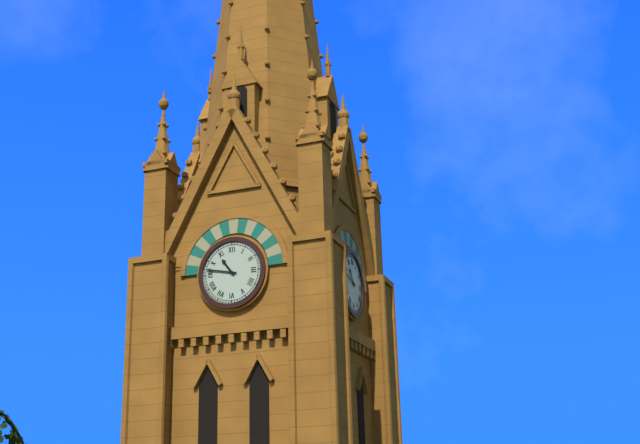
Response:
10h47
